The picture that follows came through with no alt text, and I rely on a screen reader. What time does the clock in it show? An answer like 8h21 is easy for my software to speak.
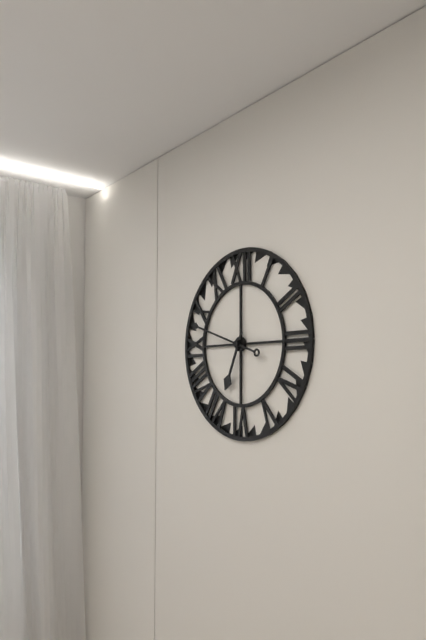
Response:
6h48
